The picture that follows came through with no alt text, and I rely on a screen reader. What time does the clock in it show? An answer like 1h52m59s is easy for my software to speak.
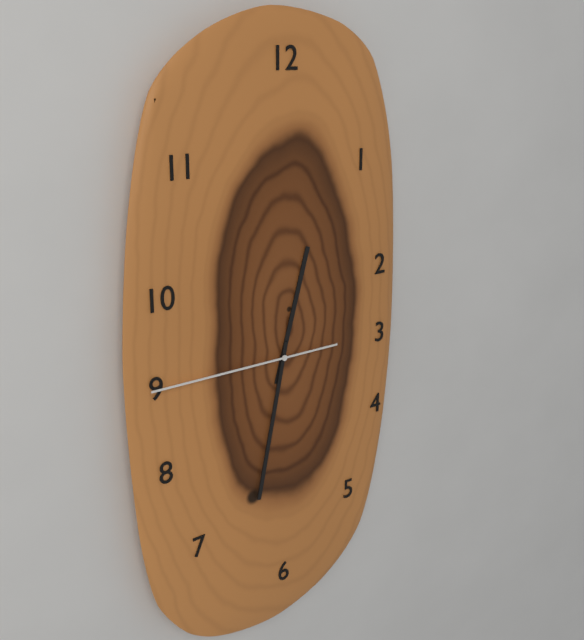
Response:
12h32m45s
